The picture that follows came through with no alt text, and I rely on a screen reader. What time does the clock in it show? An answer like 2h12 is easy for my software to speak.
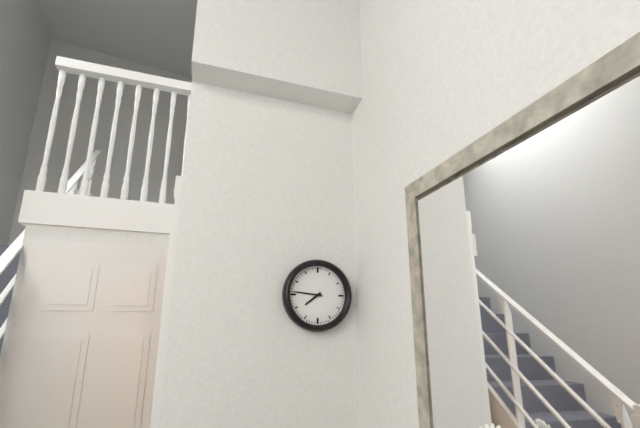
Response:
7h46
